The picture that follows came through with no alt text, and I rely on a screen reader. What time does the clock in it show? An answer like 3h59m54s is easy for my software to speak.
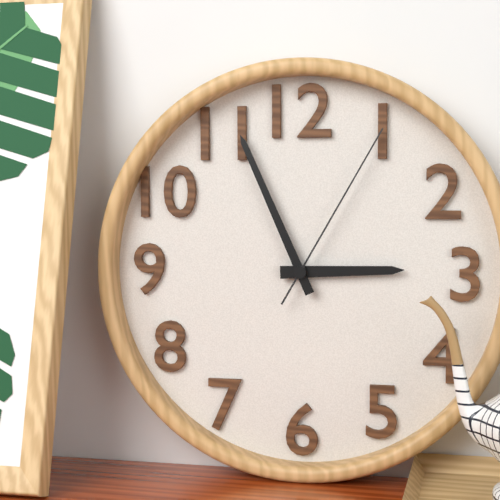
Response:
2h56m05s
